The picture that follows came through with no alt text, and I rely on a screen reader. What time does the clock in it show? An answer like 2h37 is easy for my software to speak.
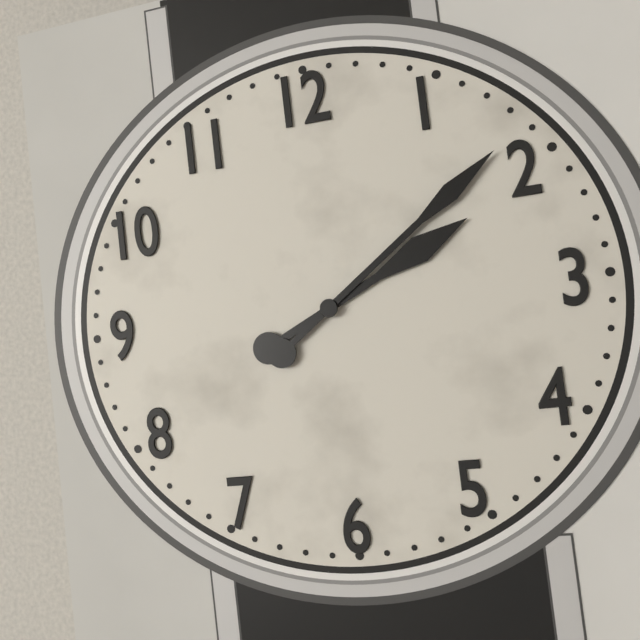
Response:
2h09
